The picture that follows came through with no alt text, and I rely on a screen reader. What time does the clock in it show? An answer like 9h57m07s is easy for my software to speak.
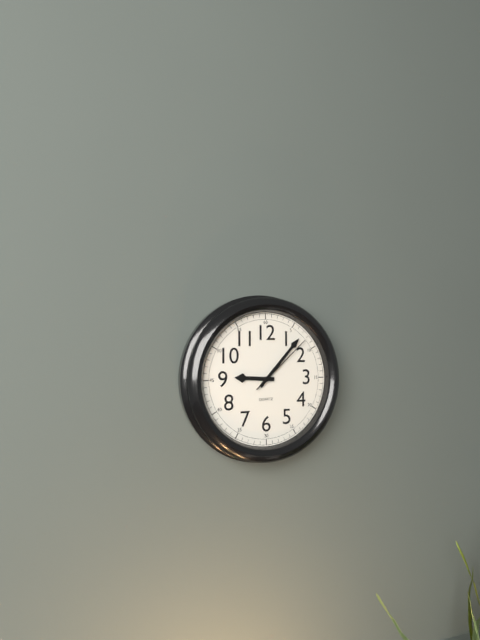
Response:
9h07m08s
